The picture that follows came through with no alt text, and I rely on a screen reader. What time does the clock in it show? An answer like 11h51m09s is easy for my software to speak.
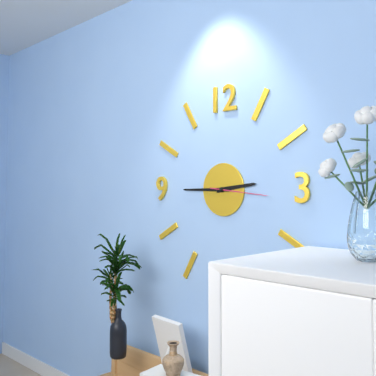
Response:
2h45m16s
